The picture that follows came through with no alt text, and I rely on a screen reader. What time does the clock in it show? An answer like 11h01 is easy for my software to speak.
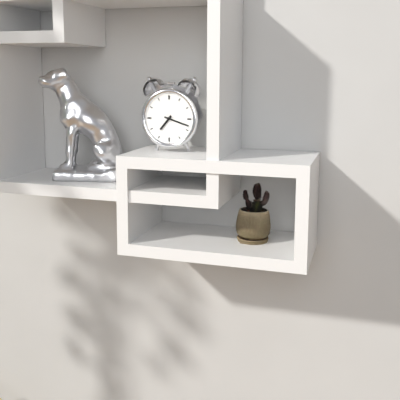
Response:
7h18
